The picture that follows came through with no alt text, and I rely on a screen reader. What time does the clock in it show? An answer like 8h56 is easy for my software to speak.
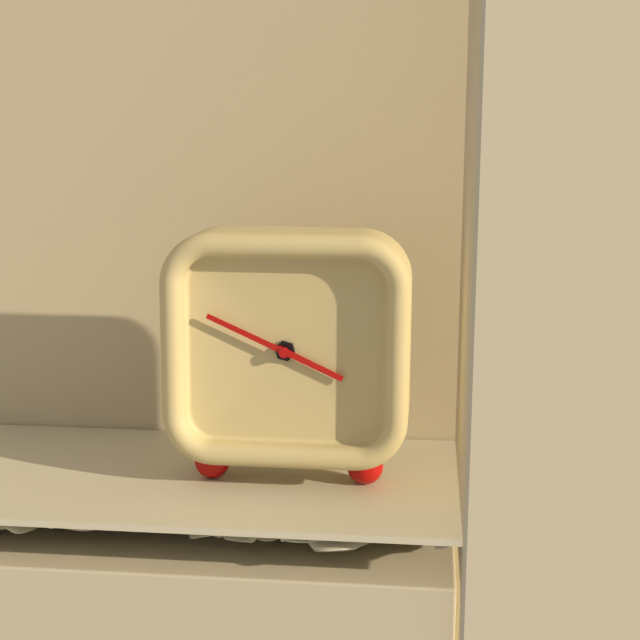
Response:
3h49
